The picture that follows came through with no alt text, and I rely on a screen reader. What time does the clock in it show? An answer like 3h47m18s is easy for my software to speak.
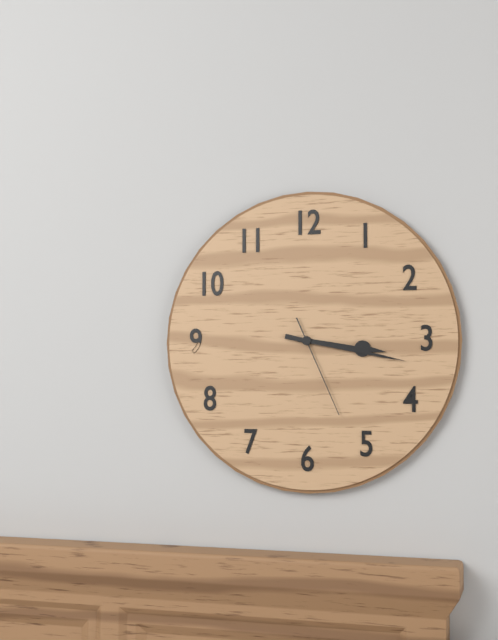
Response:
3h17m26s
